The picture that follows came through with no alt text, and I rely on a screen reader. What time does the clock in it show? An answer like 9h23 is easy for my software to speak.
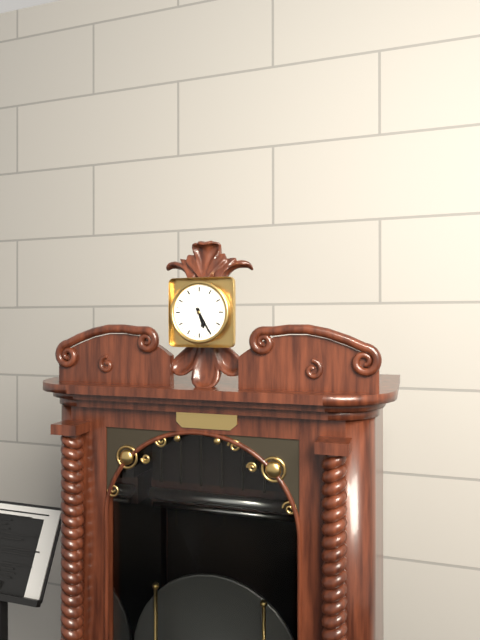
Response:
5h25
